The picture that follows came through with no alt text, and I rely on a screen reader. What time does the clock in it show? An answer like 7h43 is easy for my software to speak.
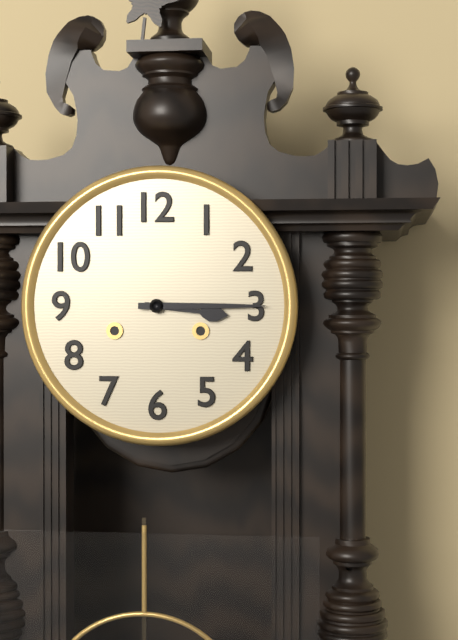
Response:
3h15
